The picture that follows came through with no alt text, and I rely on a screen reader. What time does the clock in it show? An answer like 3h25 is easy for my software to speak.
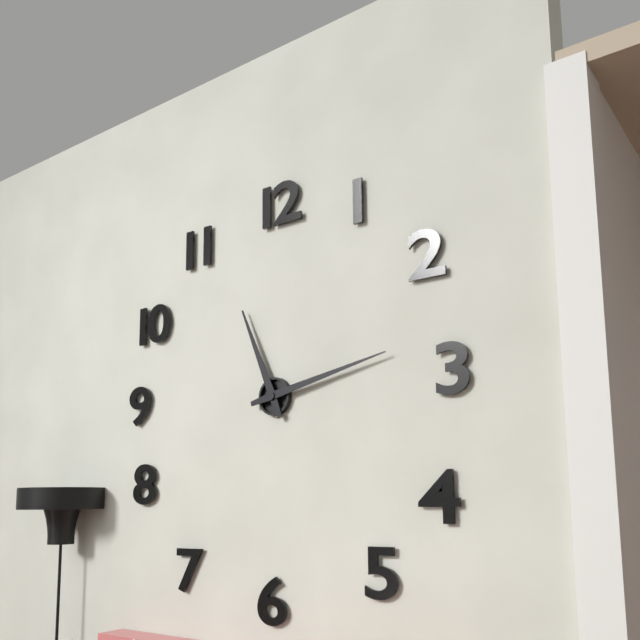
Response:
11h13
